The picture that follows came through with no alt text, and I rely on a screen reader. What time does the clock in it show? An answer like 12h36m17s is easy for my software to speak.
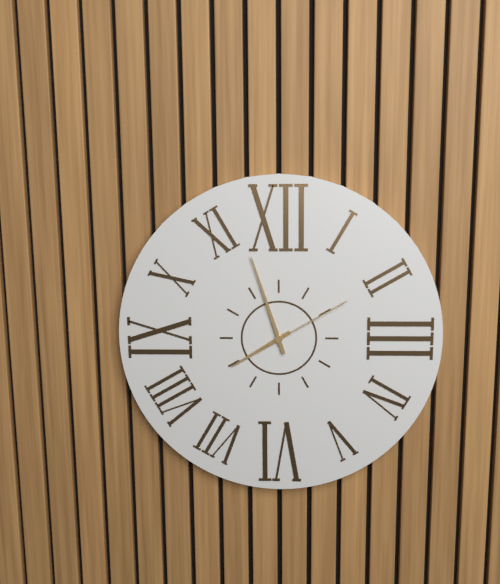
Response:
7h57m10s
